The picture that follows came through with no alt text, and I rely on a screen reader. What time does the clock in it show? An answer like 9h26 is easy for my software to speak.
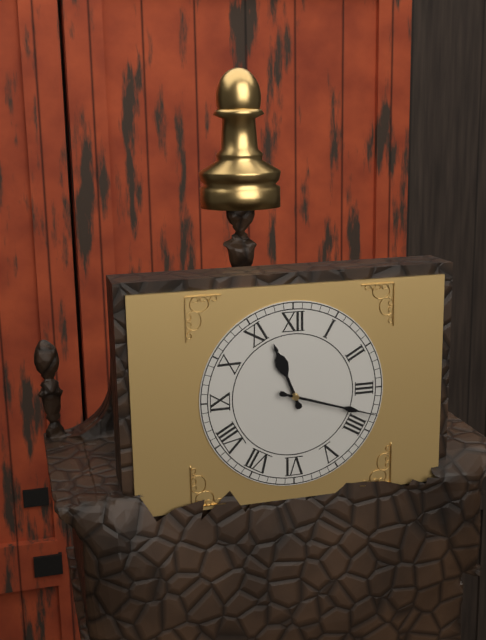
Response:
11h18
